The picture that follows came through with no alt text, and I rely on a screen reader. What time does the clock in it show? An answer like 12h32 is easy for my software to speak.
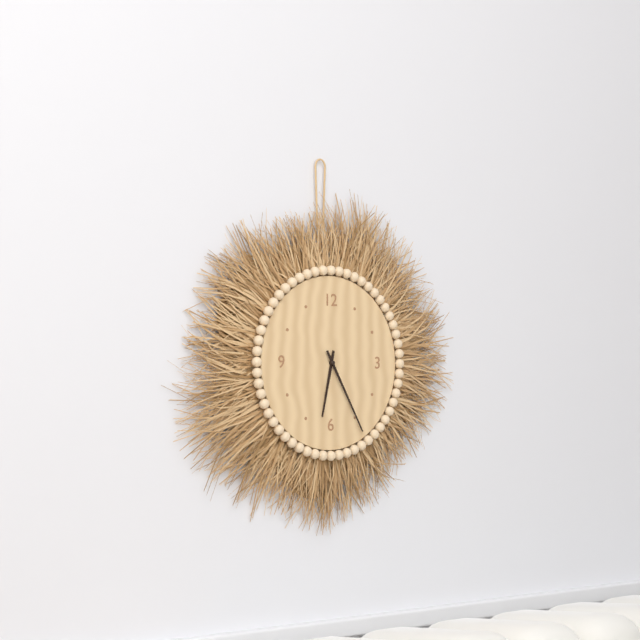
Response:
6h25
